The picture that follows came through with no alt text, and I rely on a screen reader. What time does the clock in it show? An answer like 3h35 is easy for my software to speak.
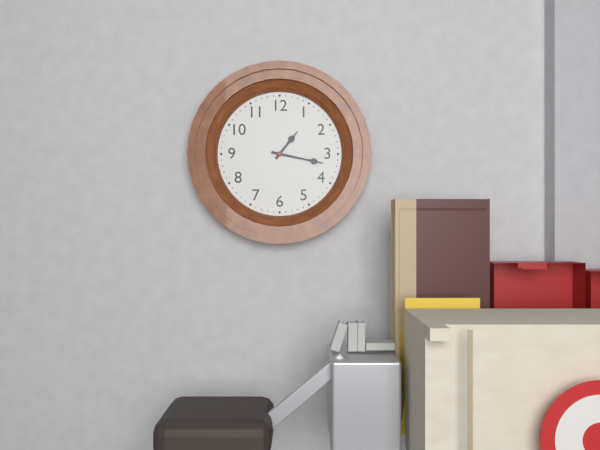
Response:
1h17
